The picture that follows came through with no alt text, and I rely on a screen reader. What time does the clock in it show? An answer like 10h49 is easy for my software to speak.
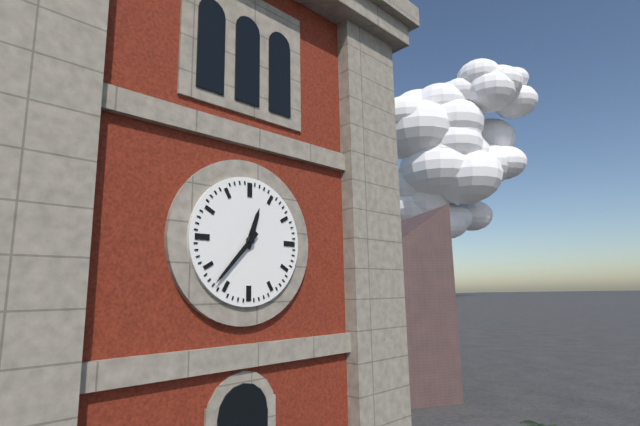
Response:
12h37
